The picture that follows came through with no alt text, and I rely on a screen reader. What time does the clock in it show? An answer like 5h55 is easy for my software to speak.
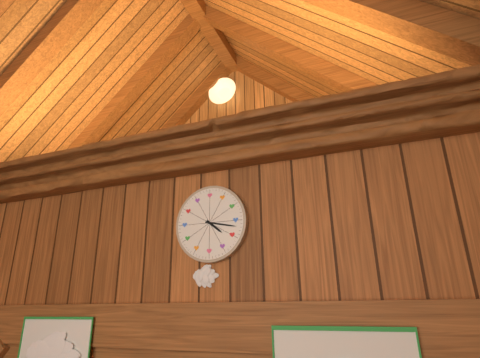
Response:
4h17
